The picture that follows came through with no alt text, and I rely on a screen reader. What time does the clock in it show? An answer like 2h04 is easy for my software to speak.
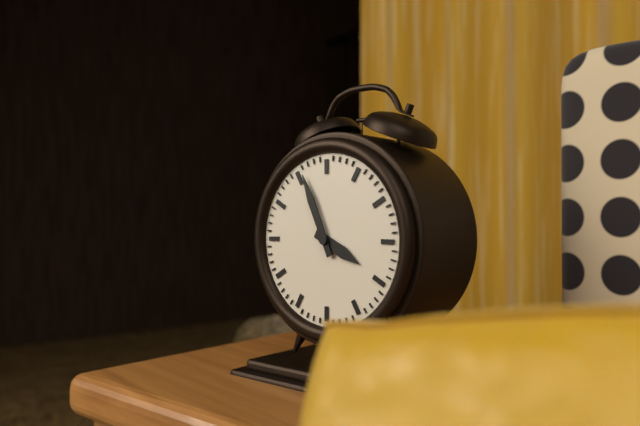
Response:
3h56
